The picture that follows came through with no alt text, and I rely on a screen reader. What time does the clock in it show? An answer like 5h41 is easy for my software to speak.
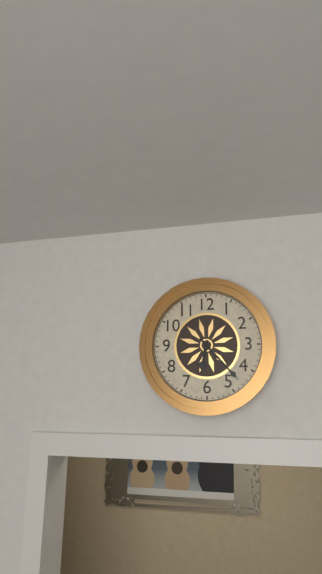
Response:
6h23
